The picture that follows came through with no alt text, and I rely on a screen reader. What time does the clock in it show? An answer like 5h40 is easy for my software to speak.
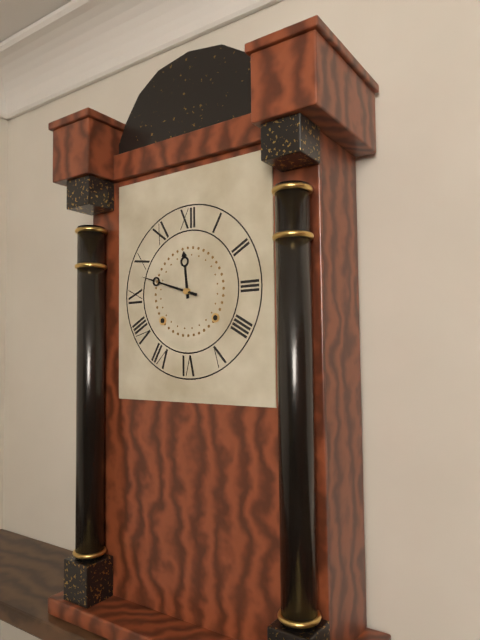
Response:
11h48
